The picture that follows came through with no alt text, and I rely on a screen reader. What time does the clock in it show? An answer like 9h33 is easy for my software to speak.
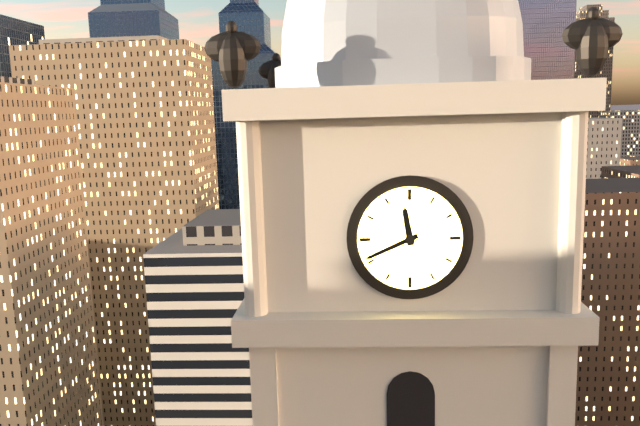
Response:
11h41
